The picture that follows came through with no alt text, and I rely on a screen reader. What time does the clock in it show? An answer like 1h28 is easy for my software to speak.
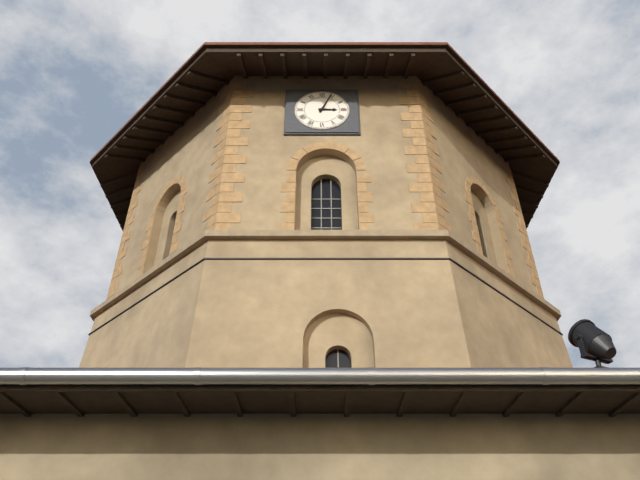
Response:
3h04
